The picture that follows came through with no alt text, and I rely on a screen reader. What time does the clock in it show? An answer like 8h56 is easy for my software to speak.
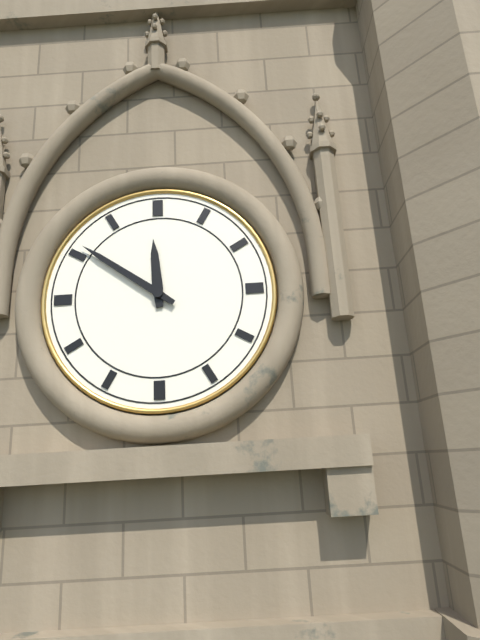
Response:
11h51
